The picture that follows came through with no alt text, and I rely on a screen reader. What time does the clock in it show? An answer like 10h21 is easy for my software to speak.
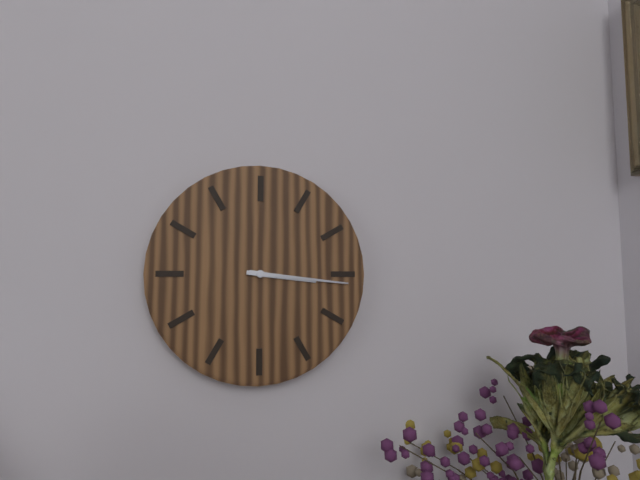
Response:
3h16
